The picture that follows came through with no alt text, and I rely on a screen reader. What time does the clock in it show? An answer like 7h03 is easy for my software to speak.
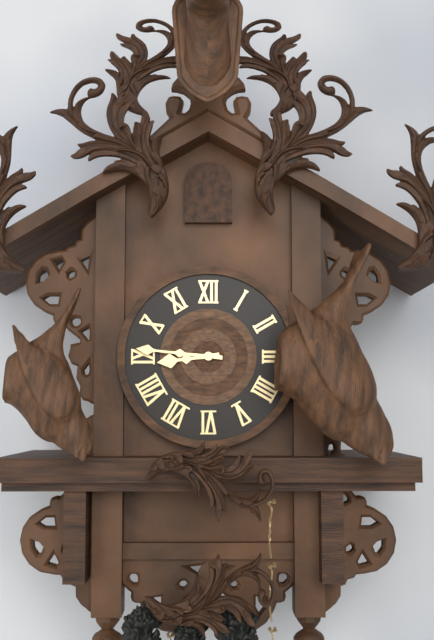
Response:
8h46
